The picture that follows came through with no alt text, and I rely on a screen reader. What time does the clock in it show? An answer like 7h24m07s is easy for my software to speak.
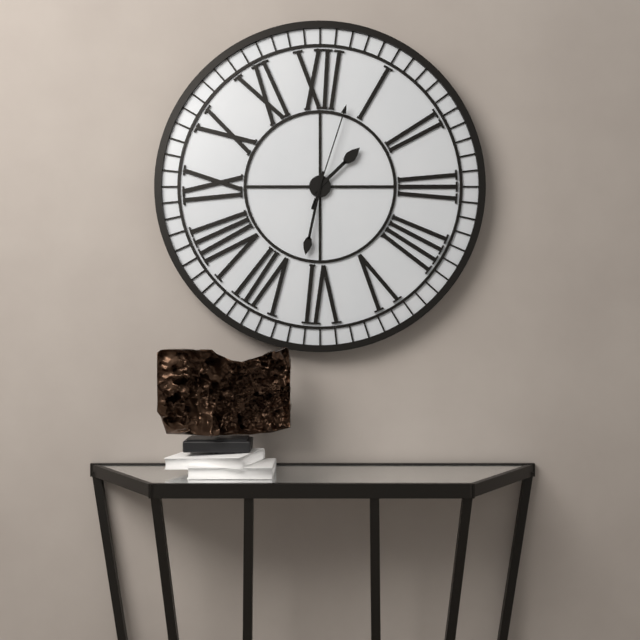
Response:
1h32m03s
